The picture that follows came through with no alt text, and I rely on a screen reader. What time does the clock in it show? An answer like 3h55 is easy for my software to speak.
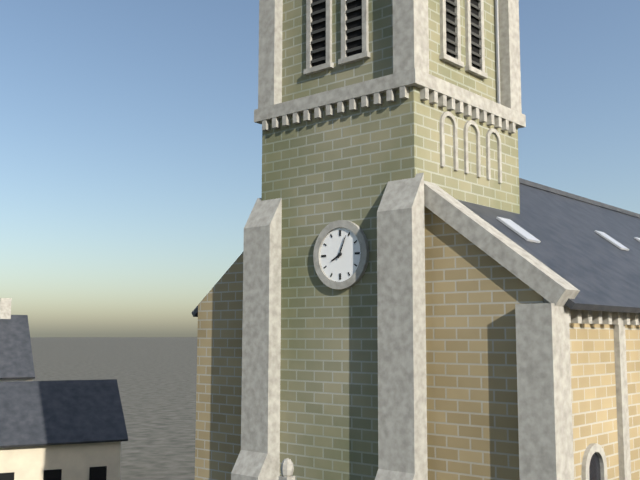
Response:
8h04
